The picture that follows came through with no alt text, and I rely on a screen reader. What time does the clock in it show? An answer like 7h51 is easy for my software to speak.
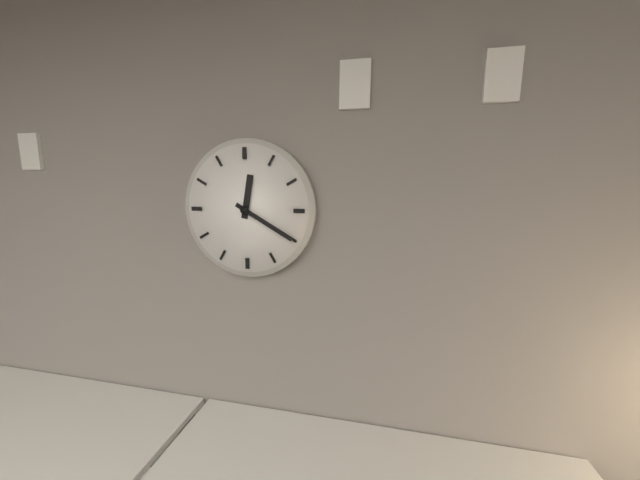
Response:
12h20
